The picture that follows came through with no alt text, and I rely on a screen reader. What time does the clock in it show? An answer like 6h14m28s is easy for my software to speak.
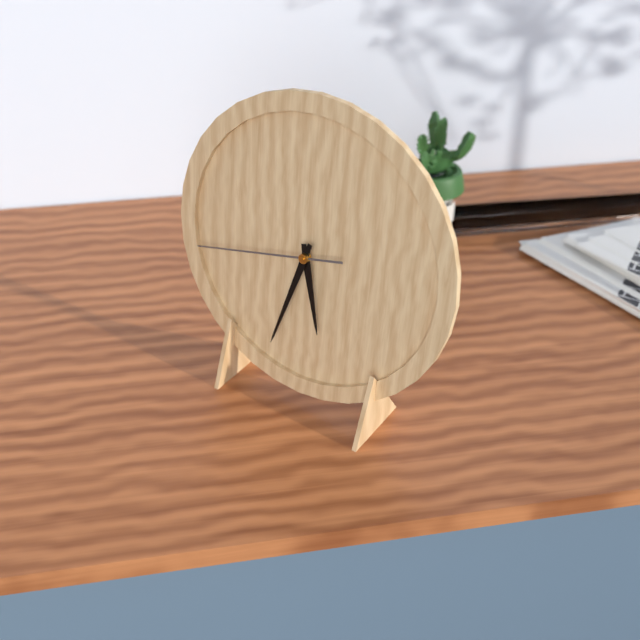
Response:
5h33m43s
